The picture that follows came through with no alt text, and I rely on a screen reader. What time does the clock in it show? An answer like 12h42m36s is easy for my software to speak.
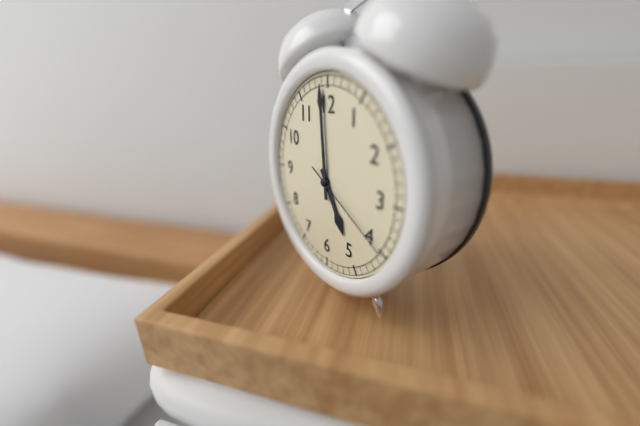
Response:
4h59m20s
